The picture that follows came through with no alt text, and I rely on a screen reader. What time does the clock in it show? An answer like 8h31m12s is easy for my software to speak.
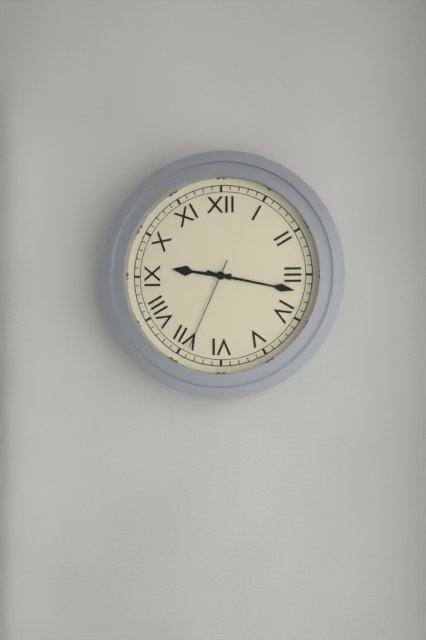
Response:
9h17m34s
